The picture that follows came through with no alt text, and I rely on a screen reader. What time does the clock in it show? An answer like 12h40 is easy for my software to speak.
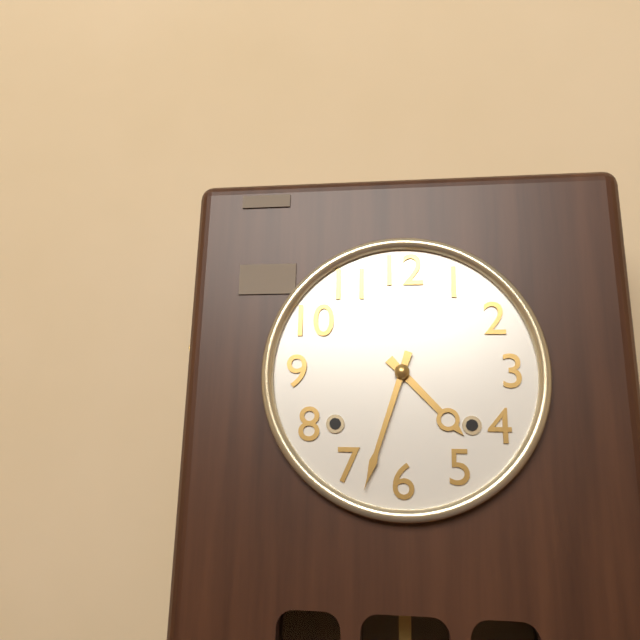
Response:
4h33
